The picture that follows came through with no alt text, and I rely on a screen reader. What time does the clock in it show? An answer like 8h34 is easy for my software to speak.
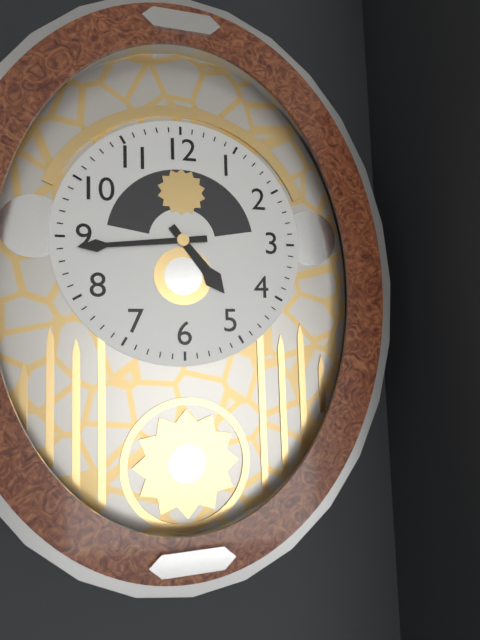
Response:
4h44
